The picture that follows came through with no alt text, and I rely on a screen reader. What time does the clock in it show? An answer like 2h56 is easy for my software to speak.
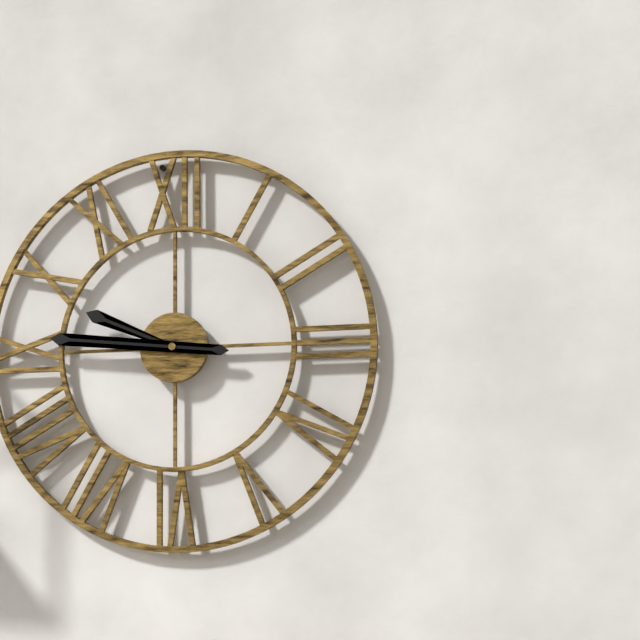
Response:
9h46
